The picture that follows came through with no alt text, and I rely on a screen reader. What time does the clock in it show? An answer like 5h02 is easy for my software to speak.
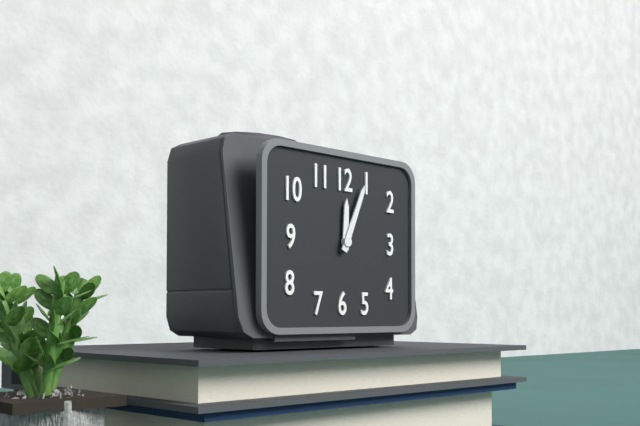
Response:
12h04
